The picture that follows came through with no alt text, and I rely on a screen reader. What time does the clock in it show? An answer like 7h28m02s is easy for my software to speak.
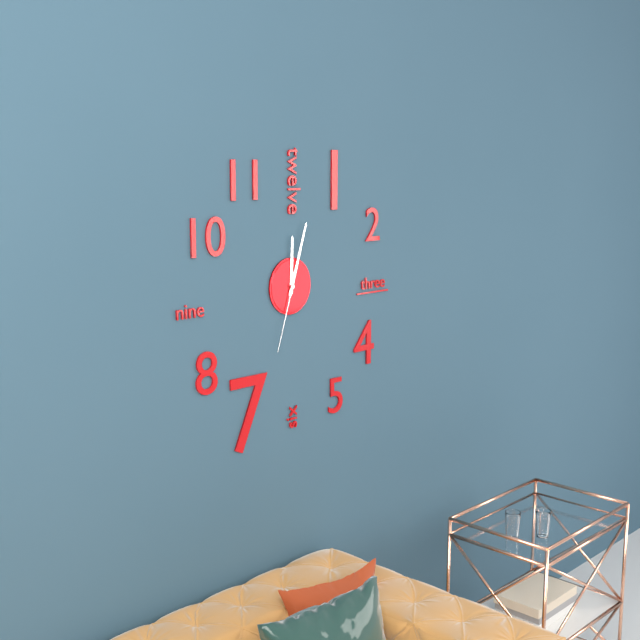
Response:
12h03m33s
